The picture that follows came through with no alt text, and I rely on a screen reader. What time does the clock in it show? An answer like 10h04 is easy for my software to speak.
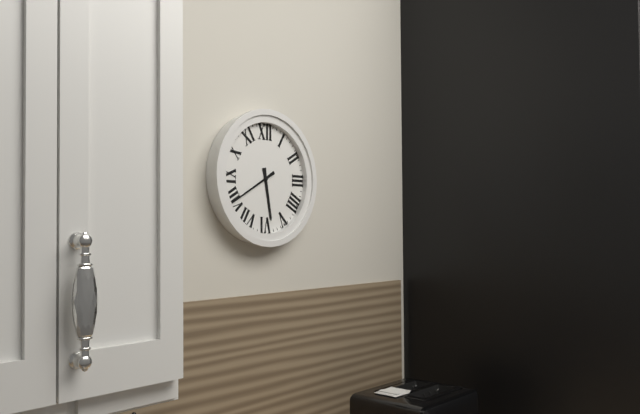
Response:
5h40
